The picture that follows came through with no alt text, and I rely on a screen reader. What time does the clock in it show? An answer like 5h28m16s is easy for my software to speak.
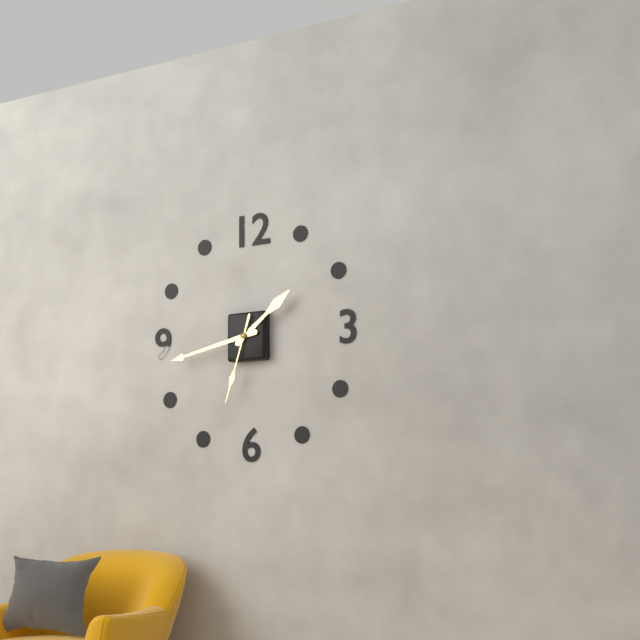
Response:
1h43m33s
